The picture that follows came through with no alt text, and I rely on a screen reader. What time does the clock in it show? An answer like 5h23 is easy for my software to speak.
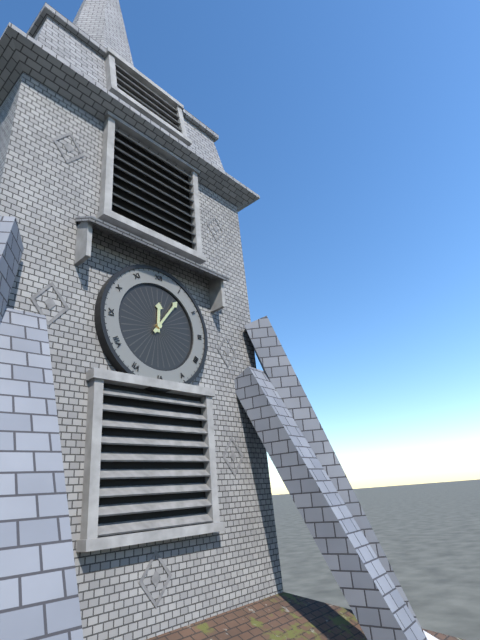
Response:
12h06
